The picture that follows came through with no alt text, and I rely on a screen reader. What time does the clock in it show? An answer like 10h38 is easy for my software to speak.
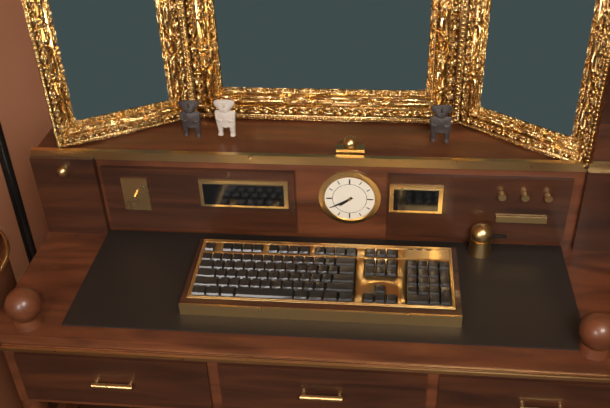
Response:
7h40
